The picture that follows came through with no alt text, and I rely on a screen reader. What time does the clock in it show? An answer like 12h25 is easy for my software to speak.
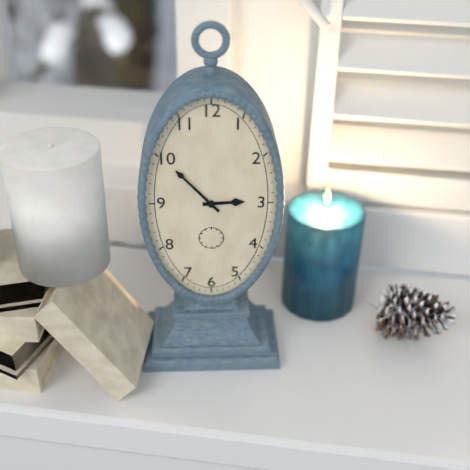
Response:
2h53
